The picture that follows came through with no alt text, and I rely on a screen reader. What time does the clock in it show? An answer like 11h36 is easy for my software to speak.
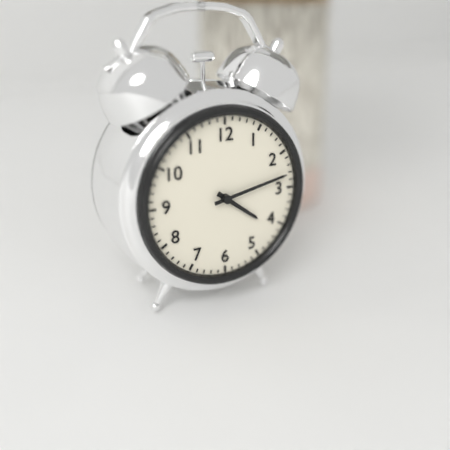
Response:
4h13
